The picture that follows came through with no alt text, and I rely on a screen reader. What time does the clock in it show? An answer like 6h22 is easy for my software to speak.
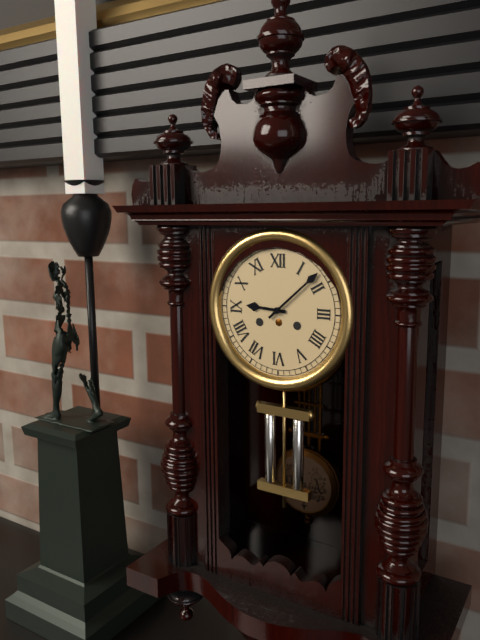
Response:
9h08
